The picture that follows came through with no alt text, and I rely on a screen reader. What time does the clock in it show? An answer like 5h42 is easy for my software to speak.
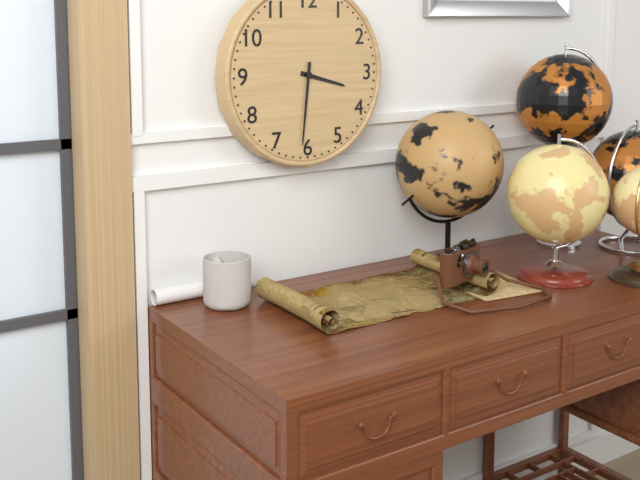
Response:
3h31
